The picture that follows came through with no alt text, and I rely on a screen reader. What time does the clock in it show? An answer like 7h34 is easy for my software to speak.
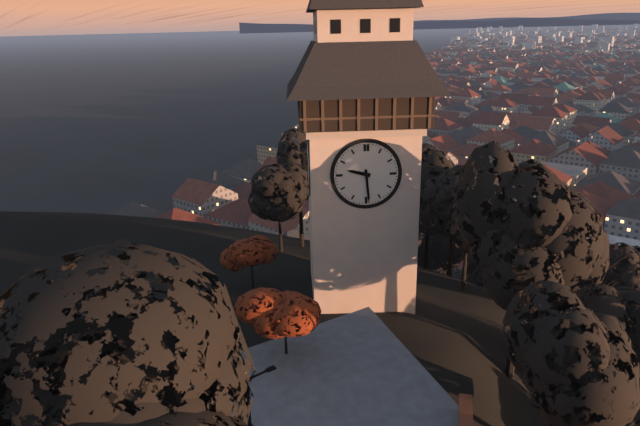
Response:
9h29
